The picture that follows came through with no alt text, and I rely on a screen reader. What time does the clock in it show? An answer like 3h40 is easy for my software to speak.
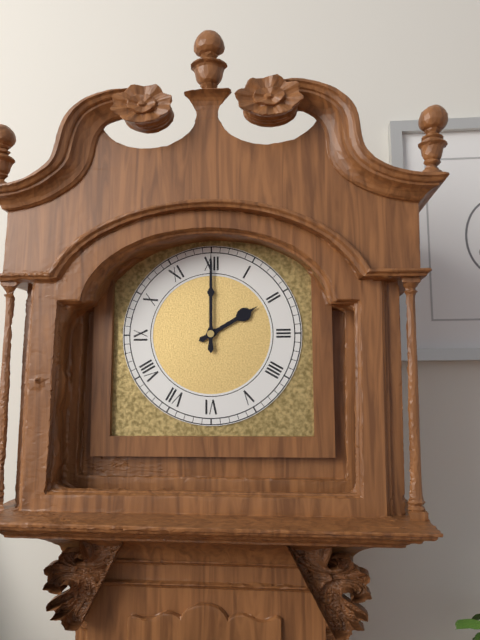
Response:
2h00
